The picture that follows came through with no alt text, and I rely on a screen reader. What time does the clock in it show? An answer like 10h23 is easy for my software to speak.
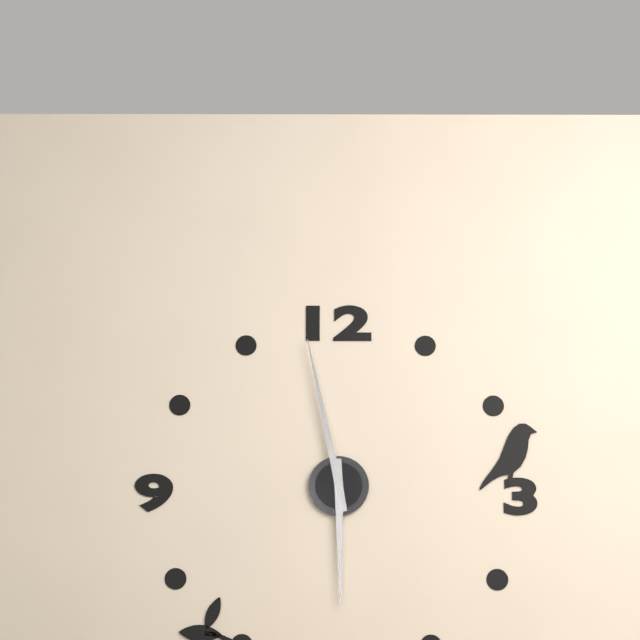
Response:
5h58
